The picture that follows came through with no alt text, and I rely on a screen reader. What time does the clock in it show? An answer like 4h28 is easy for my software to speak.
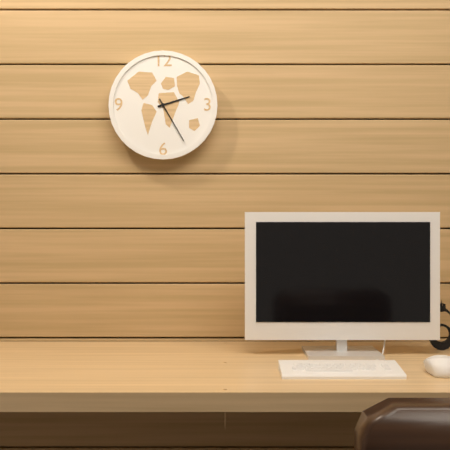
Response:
2h25
